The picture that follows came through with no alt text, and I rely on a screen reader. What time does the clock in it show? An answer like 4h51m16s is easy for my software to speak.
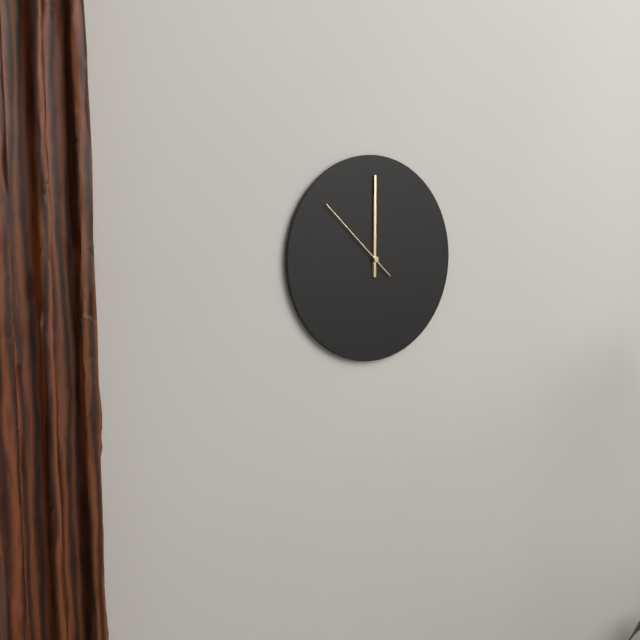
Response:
12h00m52s
